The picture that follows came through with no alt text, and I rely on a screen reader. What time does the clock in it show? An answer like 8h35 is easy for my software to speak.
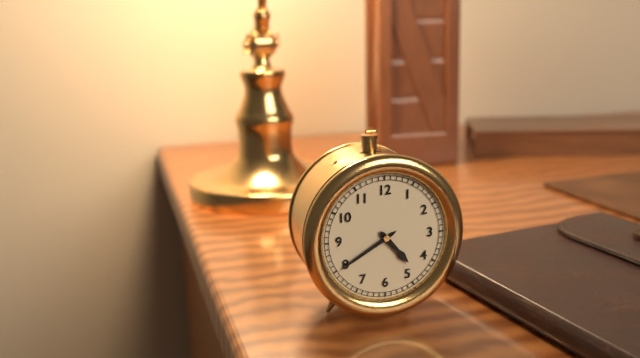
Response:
4h40
